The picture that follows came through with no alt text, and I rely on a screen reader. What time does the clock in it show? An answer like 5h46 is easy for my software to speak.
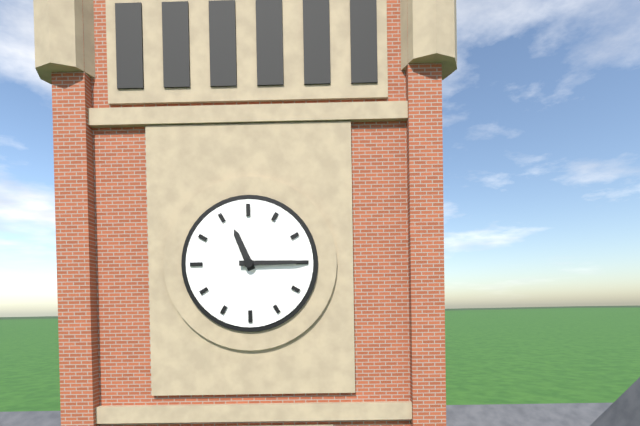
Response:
11h15
